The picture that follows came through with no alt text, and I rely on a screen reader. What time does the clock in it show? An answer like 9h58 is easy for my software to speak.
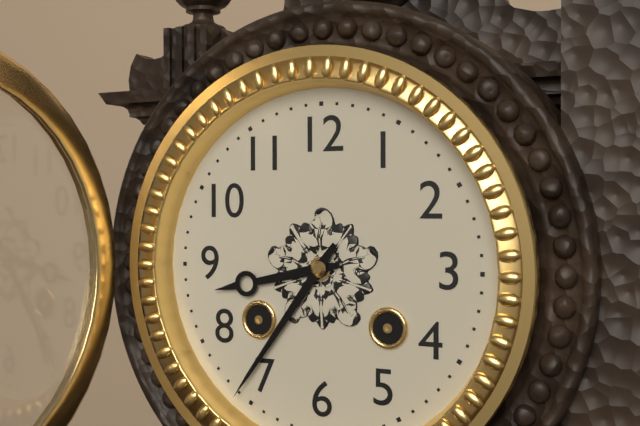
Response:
8h36
